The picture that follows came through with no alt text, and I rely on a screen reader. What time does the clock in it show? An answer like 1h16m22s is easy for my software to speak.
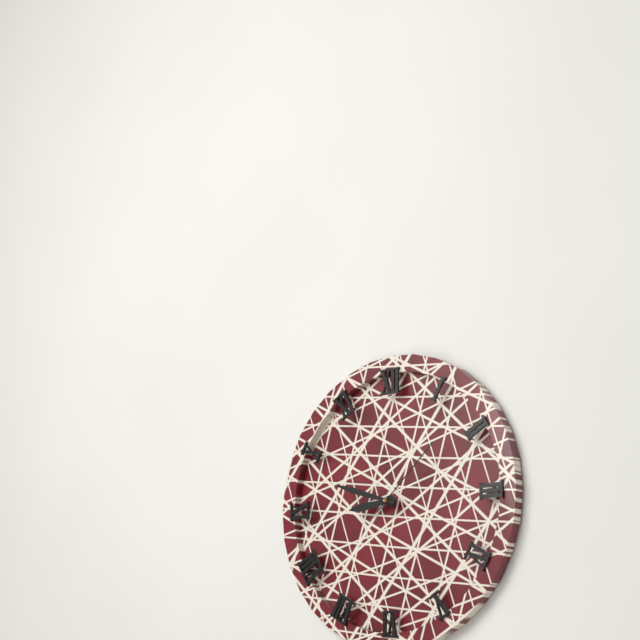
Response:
8h48m08s
